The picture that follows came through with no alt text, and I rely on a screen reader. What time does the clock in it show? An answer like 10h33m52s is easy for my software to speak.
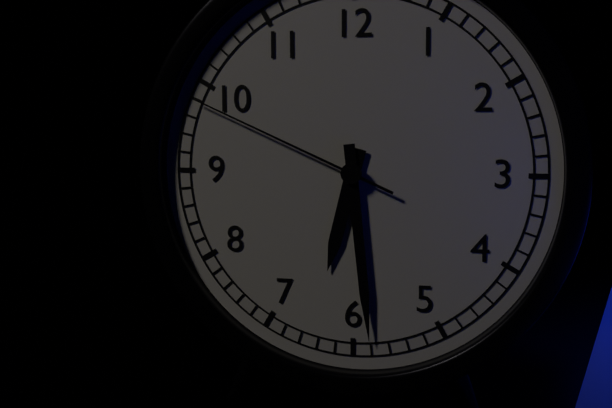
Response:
6h29m49s
